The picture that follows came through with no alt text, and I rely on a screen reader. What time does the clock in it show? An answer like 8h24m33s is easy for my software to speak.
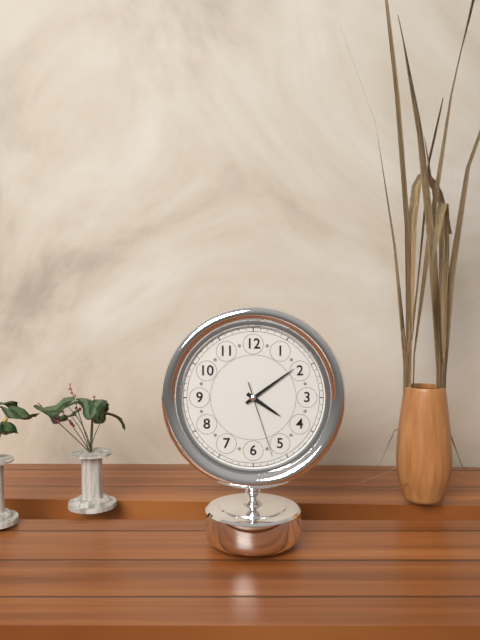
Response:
4h09m27s
